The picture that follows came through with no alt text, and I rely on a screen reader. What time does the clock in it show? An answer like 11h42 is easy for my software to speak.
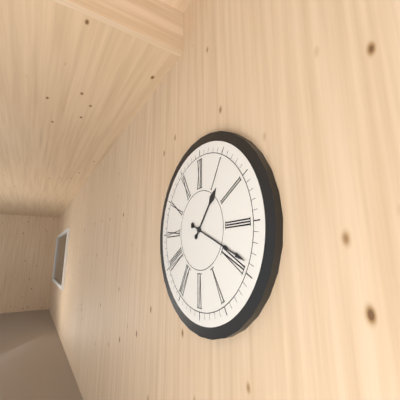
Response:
1h19
